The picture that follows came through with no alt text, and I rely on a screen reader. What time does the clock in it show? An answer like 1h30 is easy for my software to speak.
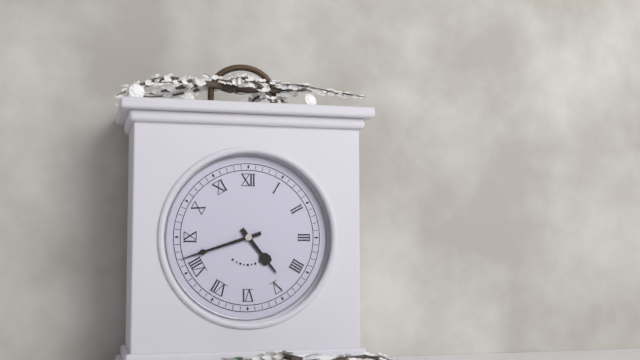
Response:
4h42
